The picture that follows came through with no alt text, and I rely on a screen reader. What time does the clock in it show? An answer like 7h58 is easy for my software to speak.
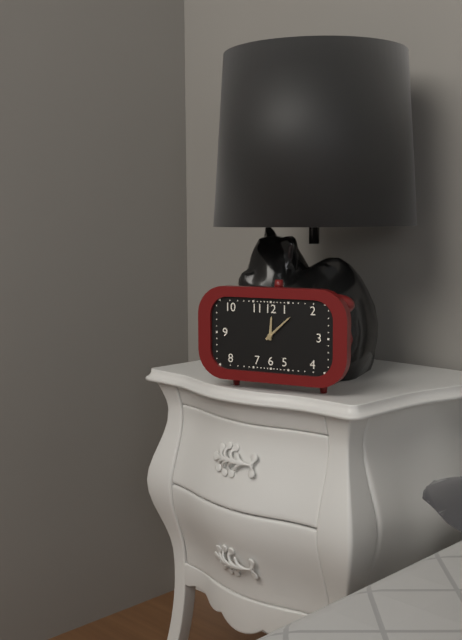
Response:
12h08
